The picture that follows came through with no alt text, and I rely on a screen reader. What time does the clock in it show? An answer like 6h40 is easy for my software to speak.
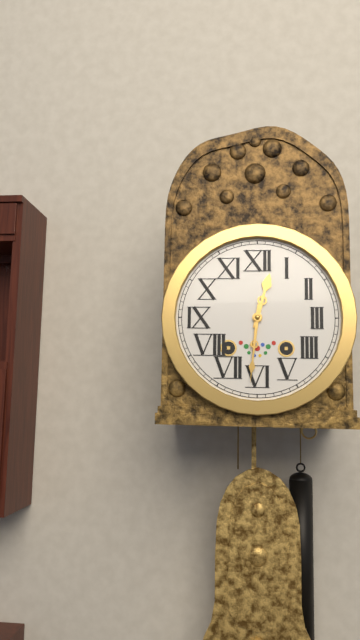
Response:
12h31
